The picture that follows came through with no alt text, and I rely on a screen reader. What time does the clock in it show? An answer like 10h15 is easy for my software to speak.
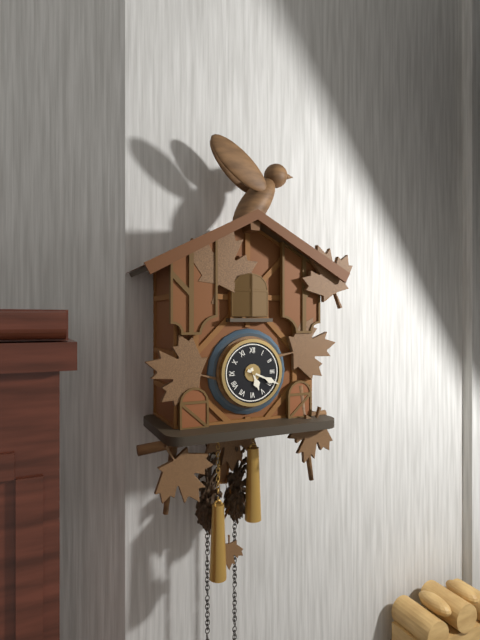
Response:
5h19
